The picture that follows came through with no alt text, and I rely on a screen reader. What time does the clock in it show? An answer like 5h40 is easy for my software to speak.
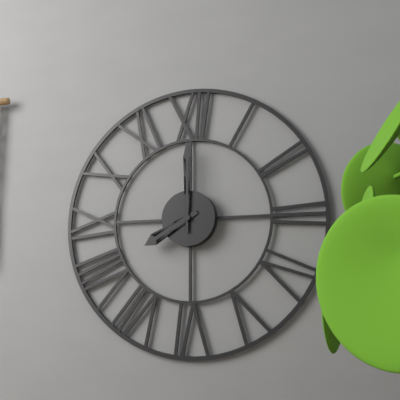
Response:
8h00
